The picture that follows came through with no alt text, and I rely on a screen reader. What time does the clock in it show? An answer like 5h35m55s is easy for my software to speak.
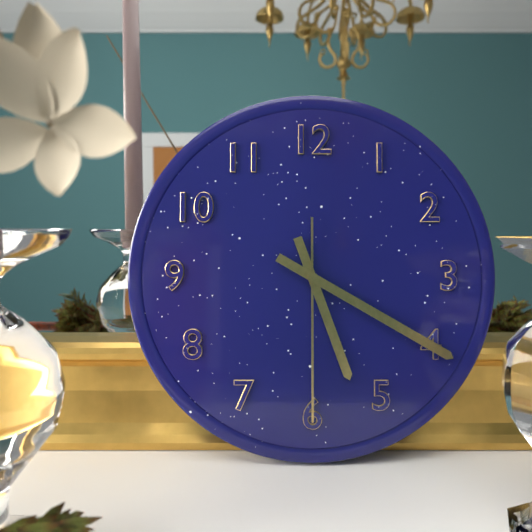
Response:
5h20m30s
